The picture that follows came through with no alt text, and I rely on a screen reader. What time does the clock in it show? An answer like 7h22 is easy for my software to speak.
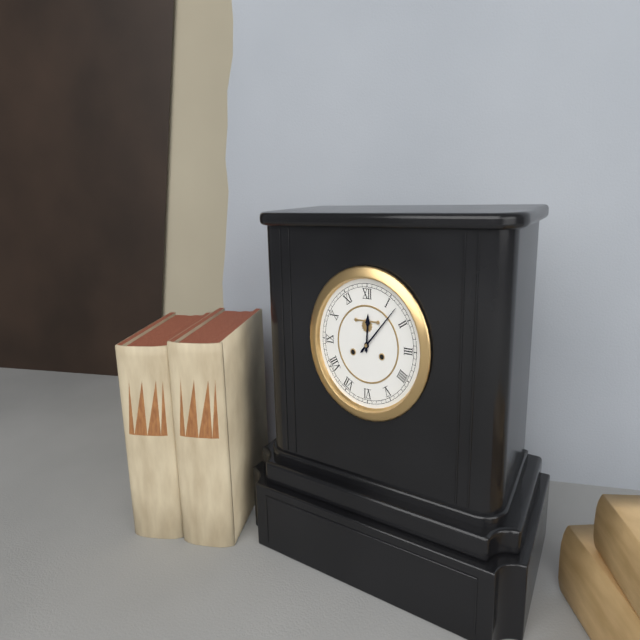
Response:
12h07
